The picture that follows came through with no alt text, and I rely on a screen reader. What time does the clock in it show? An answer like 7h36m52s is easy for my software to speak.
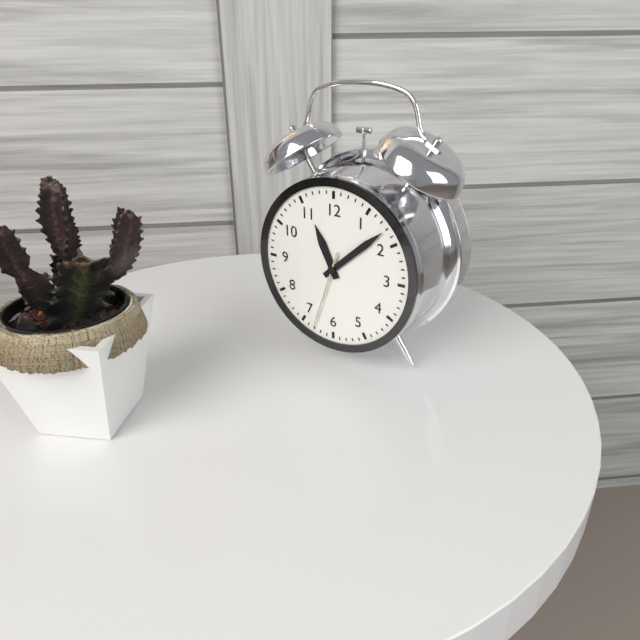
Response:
11h08m33s
